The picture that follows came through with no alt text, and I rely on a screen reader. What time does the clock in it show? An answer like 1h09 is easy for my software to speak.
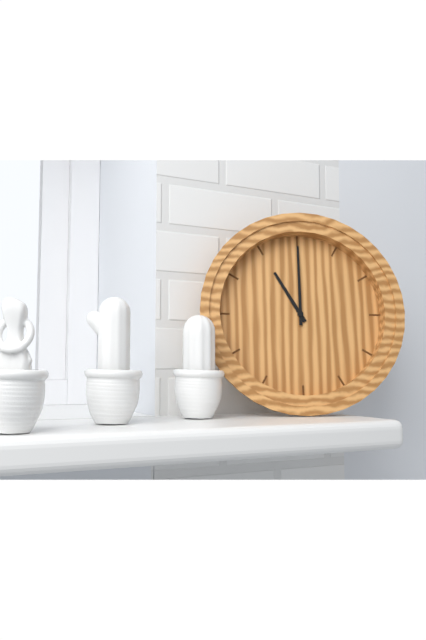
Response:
11h00
